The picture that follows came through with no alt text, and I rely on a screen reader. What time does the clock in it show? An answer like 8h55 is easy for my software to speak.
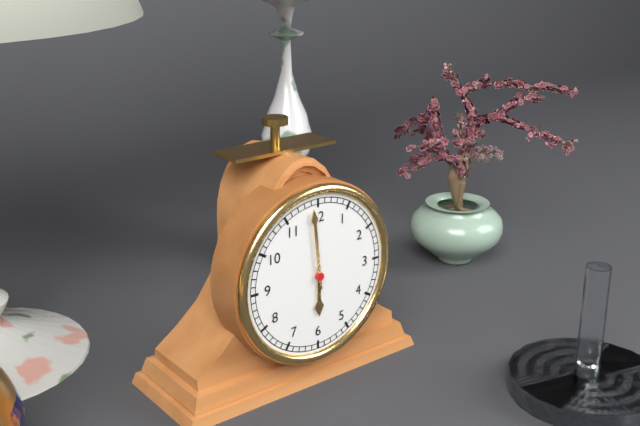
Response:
5h59
